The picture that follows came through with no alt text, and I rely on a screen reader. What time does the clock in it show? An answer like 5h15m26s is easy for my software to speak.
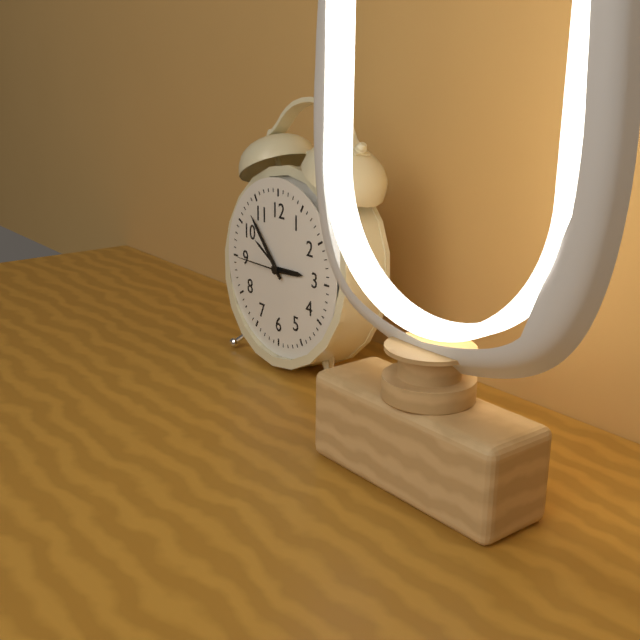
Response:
2h53m45s
